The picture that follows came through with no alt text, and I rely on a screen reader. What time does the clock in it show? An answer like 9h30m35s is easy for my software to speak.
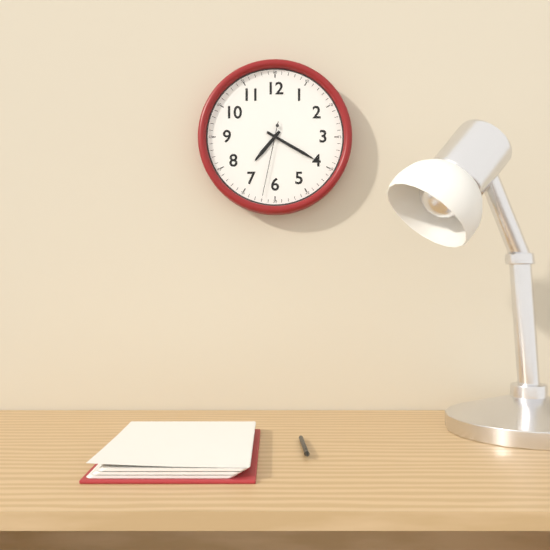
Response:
7h20m32s
